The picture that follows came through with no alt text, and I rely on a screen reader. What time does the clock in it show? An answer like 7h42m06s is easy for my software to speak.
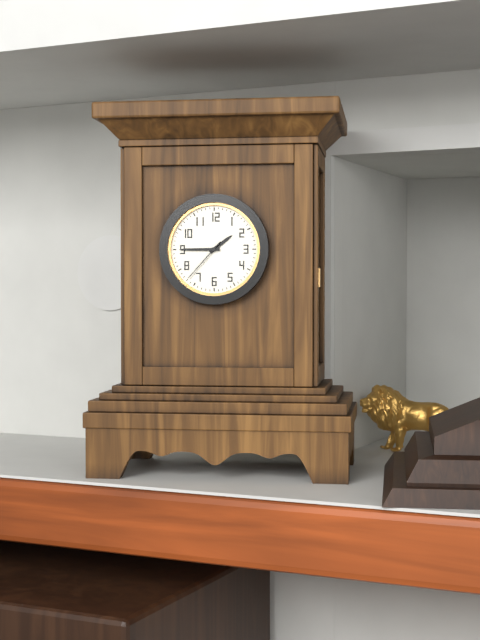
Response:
1h45m37s
